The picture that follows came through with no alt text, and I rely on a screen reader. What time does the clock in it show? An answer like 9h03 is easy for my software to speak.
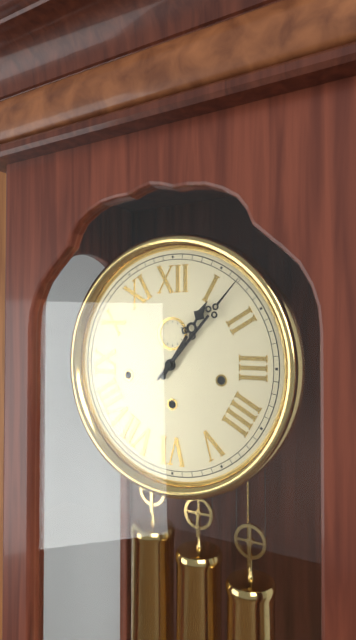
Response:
1h07
